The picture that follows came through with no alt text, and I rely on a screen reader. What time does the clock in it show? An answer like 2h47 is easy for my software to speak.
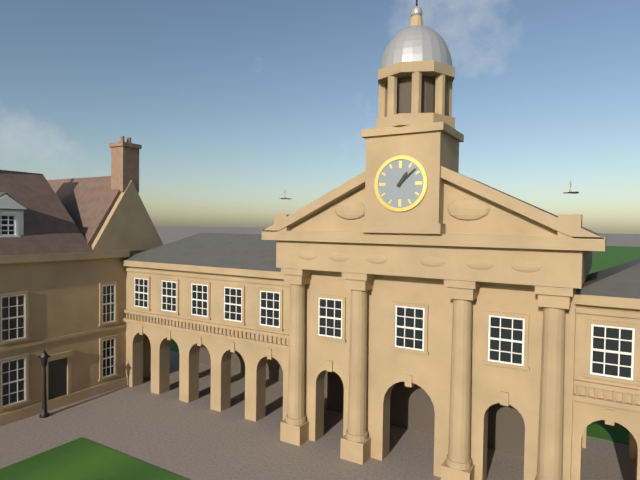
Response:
1h08
